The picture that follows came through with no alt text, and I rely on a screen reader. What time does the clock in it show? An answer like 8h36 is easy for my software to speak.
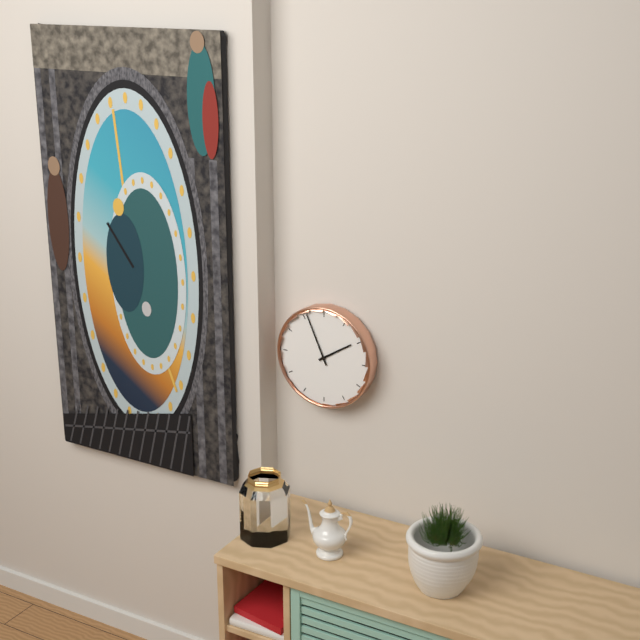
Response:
1h56
